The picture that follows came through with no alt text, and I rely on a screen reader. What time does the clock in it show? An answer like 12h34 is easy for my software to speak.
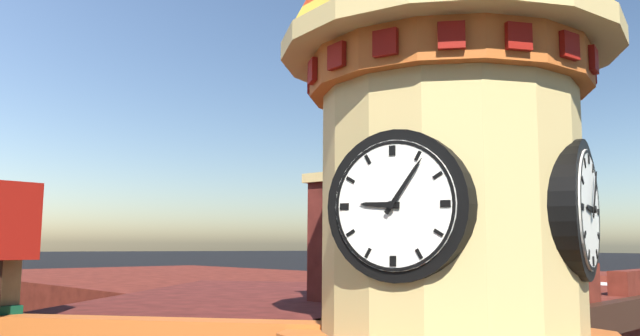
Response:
9h06
